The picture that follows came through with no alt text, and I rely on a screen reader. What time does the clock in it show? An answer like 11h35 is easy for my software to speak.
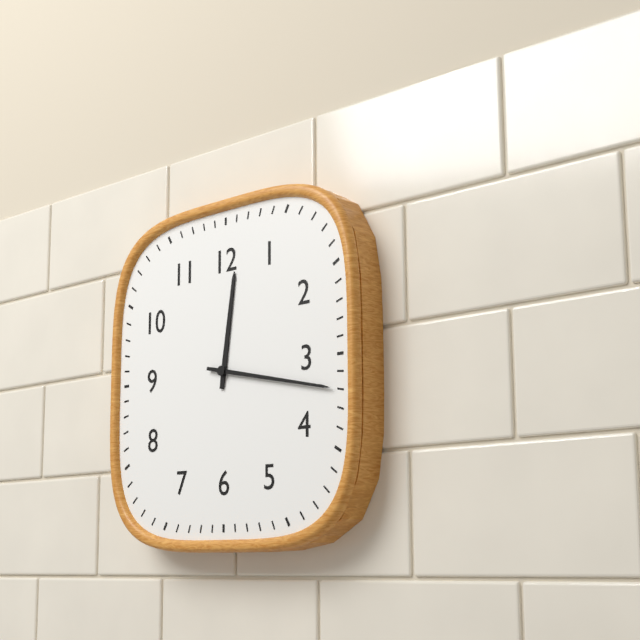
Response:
12h17
